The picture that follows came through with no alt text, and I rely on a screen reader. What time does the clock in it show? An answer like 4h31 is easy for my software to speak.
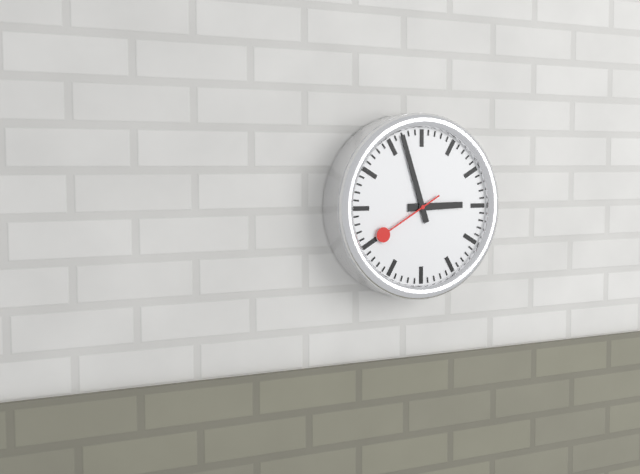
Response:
2h57
